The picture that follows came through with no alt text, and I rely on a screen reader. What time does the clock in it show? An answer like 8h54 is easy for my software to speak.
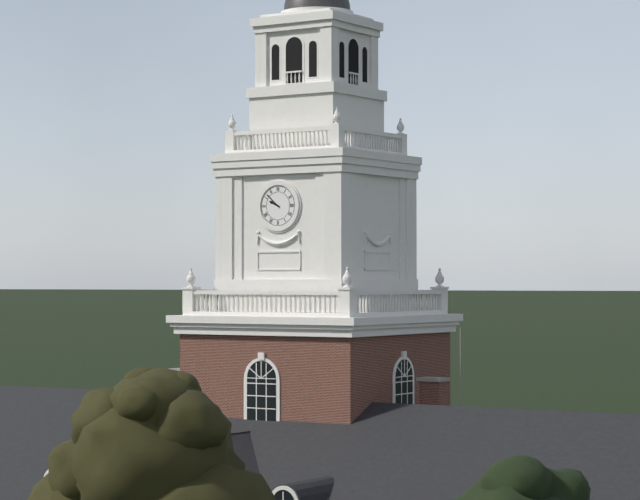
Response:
9h52
